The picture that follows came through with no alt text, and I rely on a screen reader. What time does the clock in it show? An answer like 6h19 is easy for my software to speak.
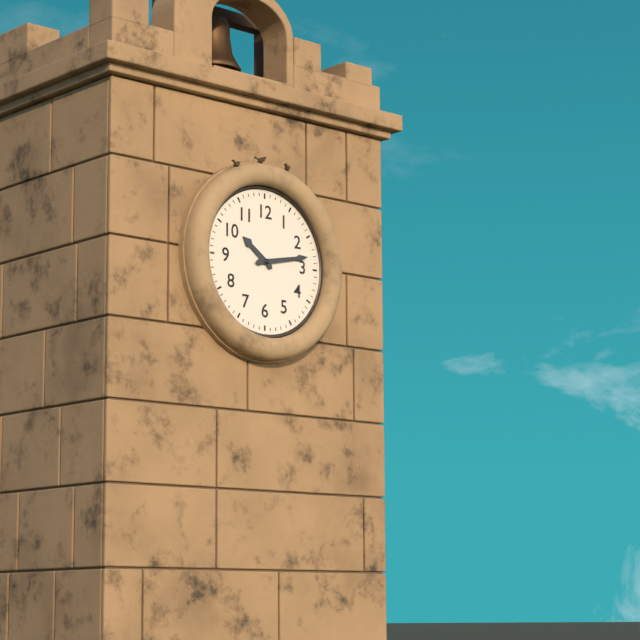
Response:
10h13
